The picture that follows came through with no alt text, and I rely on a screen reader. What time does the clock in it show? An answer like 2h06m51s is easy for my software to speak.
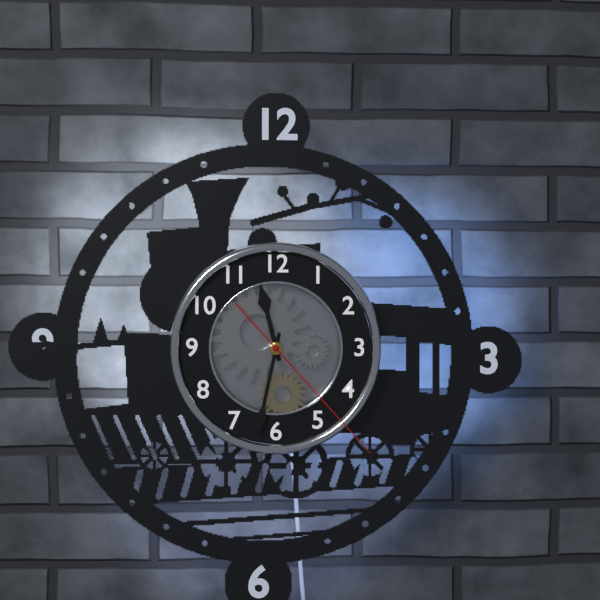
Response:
11h32m23s
